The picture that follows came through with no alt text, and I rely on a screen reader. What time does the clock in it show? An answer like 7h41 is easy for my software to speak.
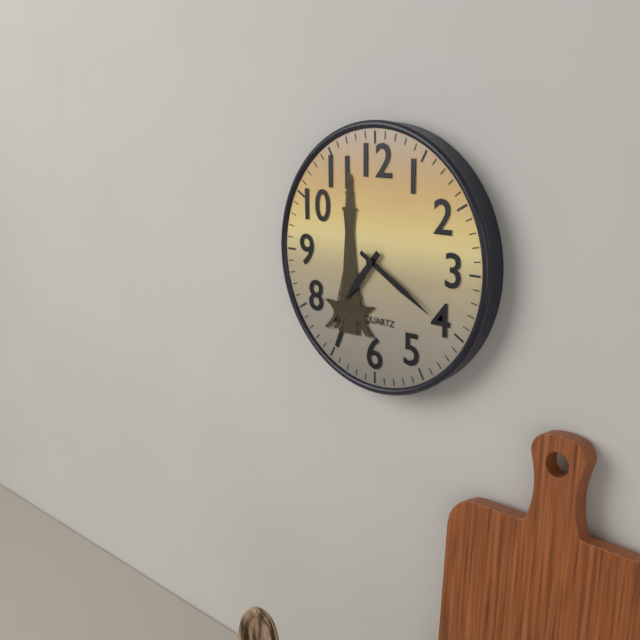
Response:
7h20
